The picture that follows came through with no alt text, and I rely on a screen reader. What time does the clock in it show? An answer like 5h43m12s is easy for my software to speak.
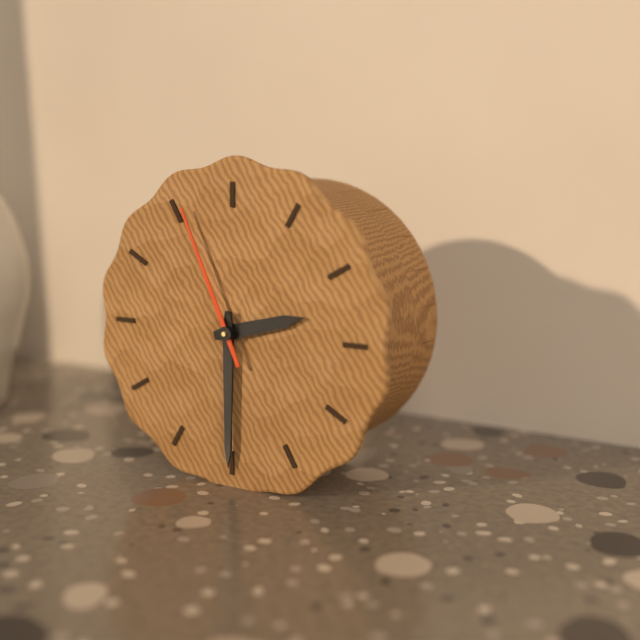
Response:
2h30m56s
